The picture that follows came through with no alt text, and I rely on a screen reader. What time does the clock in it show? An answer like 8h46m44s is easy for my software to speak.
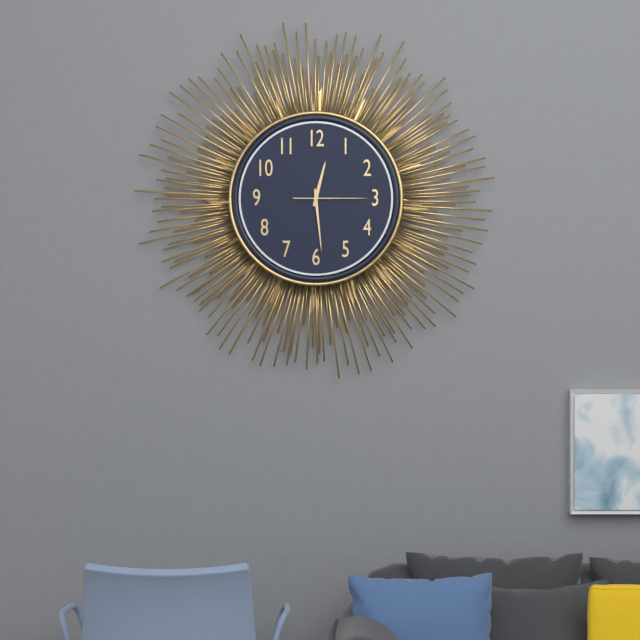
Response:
12h29m15s
